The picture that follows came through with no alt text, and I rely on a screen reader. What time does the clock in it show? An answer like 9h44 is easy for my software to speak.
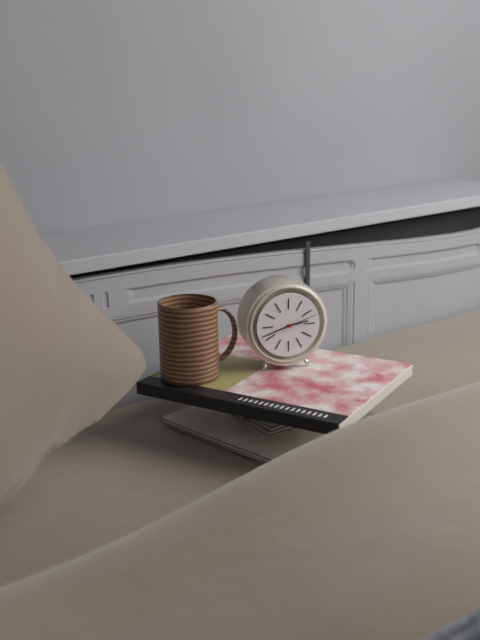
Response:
2h42
